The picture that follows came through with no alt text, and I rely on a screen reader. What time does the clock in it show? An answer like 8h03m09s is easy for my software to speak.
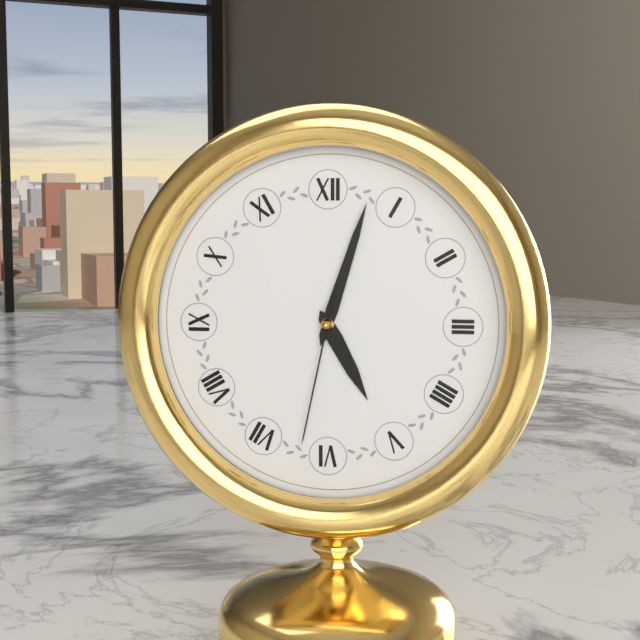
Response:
5h03m32s
